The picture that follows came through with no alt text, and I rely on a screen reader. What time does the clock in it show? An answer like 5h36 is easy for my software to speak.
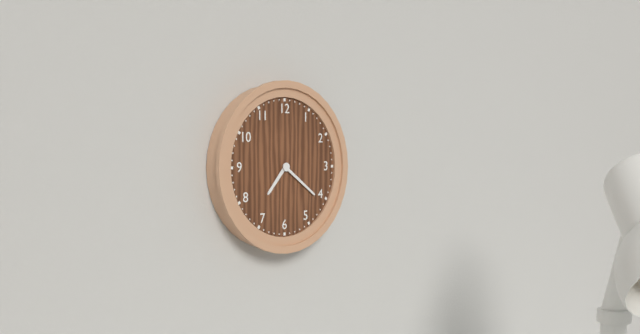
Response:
7h21
